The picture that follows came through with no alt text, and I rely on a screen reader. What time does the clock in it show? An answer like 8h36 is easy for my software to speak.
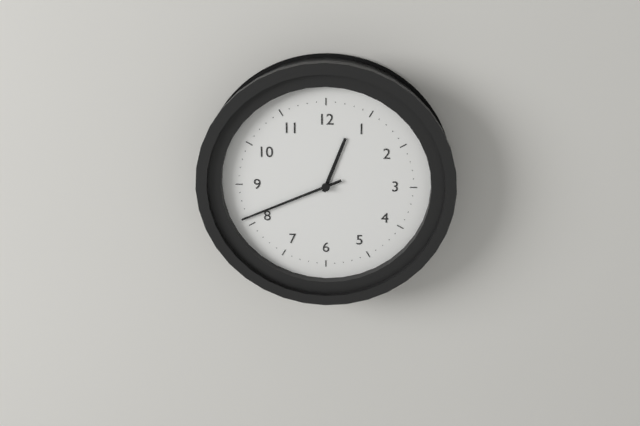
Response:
12h41
